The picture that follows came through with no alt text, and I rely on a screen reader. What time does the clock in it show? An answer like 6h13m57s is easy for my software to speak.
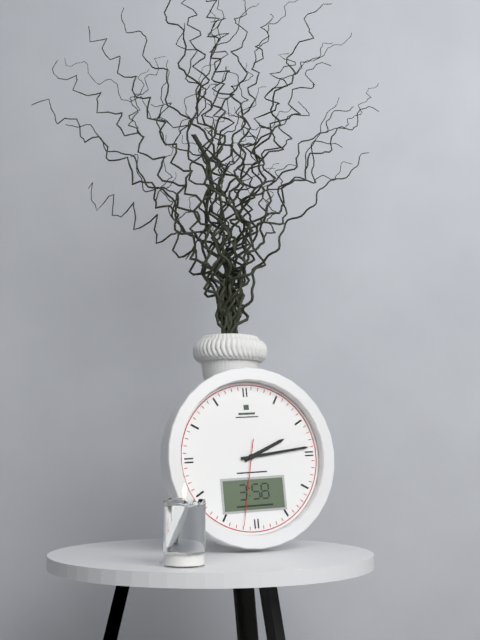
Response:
2h14m32s
